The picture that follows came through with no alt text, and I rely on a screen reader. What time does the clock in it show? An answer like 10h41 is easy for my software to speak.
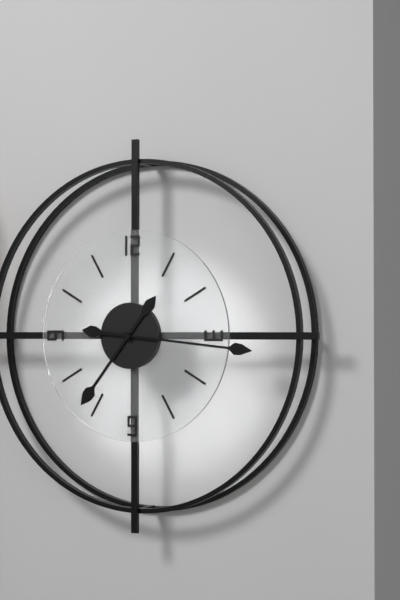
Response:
7h16
